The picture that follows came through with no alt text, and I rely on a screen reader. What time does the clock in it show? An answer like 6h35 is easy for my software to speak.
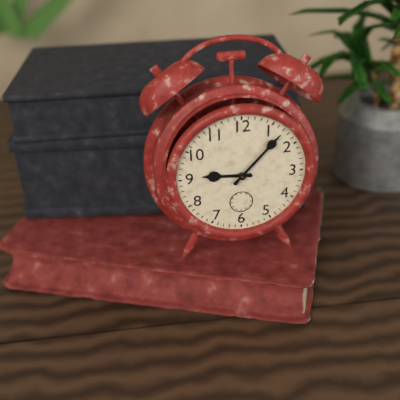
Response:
9h07
